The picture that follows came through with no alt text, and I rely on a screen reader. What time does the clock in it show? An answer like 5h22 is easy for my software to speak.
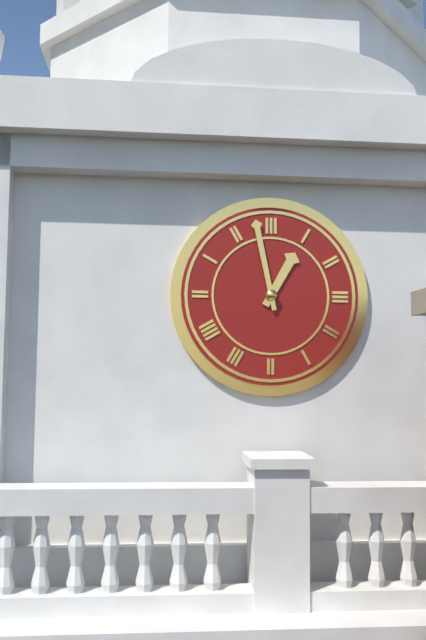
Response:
12h58
